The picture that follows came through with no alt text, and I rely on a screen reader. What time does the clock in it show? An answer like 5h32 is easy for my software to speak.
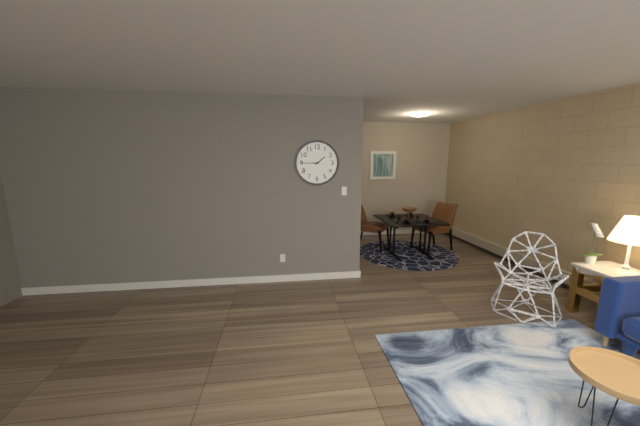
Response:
1h45
